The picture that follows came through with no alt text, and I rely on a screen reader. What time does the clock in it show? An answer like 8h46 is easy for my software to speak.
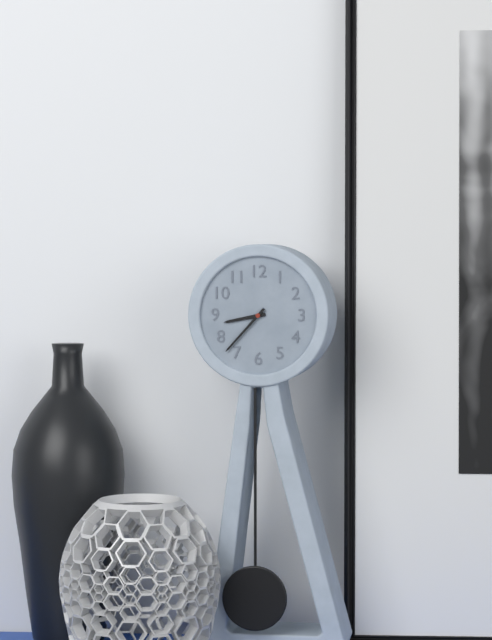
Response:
8h37
